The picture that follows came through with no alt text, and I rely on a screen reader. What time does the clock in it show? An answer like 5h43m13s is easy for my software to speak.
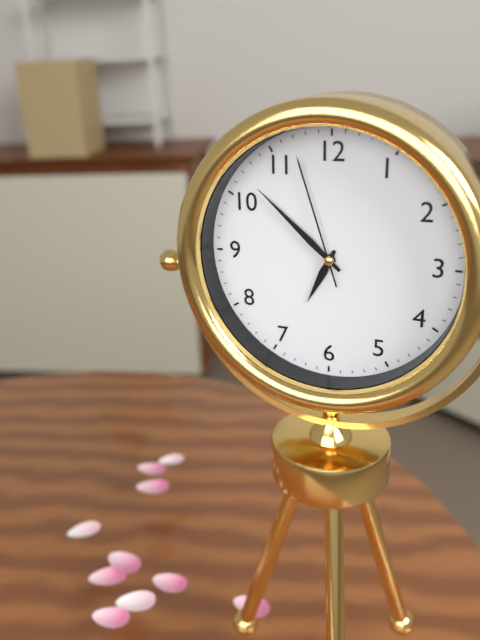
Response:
6h52m57s
